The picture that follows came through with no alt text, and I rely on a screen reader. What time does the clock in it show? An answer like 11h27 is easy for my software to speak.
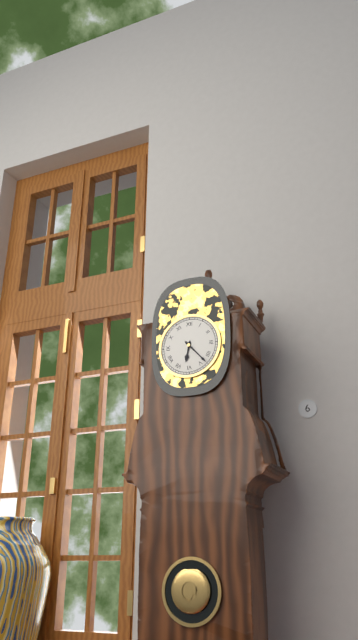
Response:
6h23
